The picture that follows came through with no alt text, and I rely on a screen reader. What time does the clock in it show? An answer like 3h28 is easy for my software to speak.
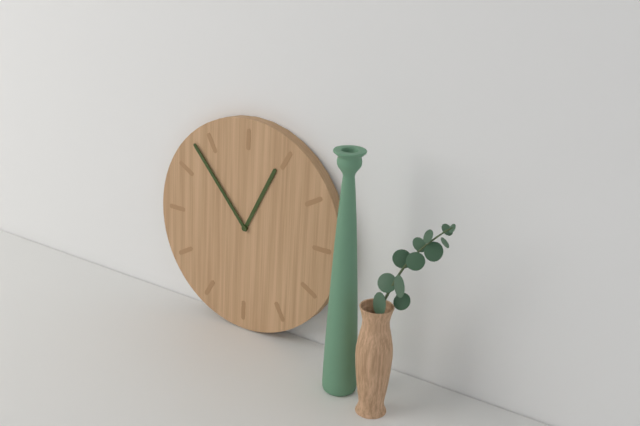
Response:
12h53
